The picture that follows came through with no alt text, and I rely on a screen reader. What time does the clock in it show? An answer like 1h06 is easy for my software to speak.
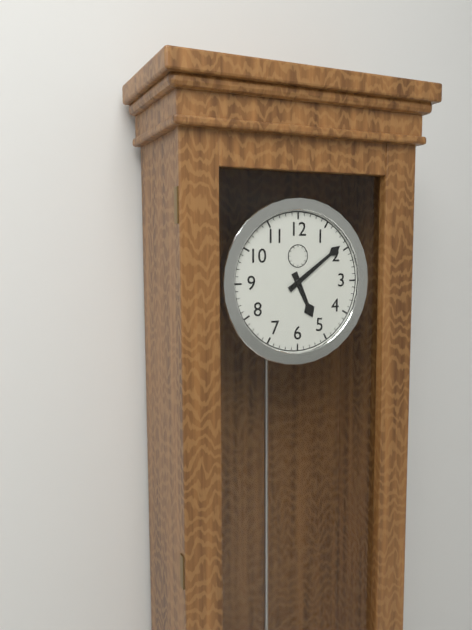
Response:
5h09
